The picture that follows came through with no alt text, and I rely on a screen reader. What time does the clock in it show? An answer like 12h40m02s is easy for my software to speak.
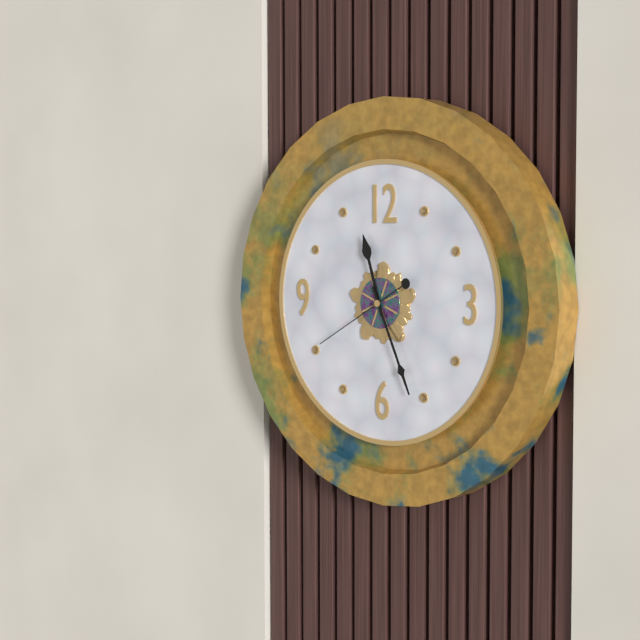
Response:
11h26m40s
